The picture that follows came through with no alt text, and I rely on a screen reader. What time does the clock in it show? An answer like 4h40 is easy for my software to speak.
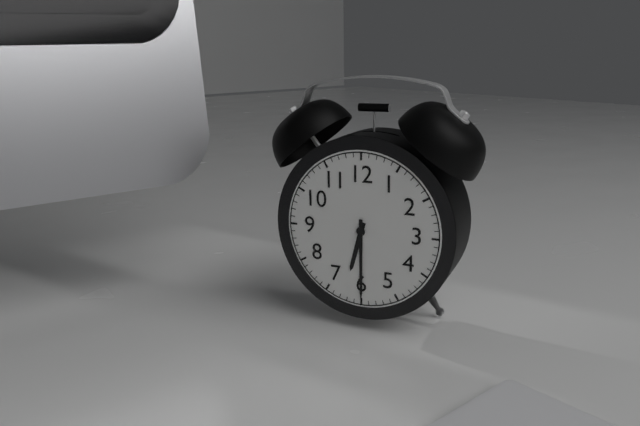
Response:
6h30
